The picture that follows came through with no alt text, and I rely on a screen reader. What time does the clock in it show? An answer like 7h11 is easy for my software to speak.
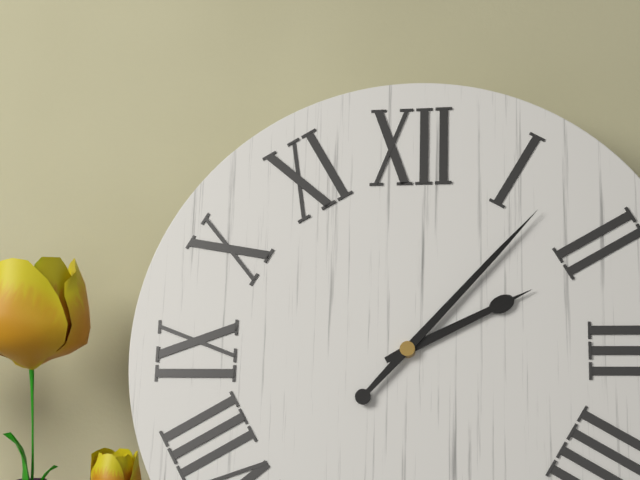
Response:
2h07
